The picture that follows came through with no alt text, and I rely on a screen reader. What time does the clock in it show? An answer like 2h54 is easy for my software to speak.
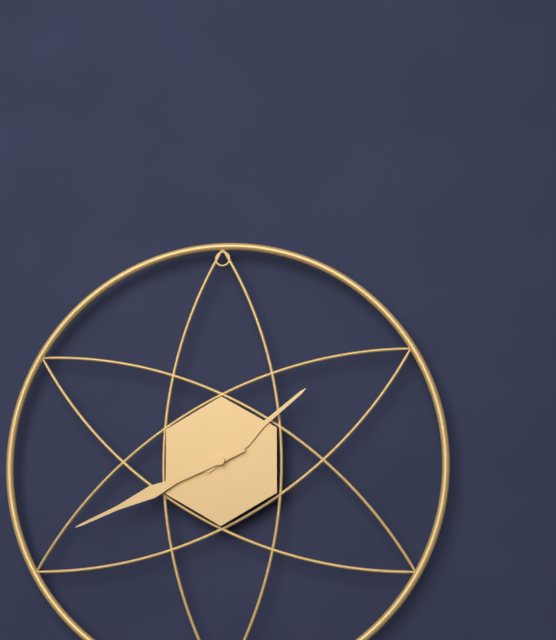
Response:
1h41
